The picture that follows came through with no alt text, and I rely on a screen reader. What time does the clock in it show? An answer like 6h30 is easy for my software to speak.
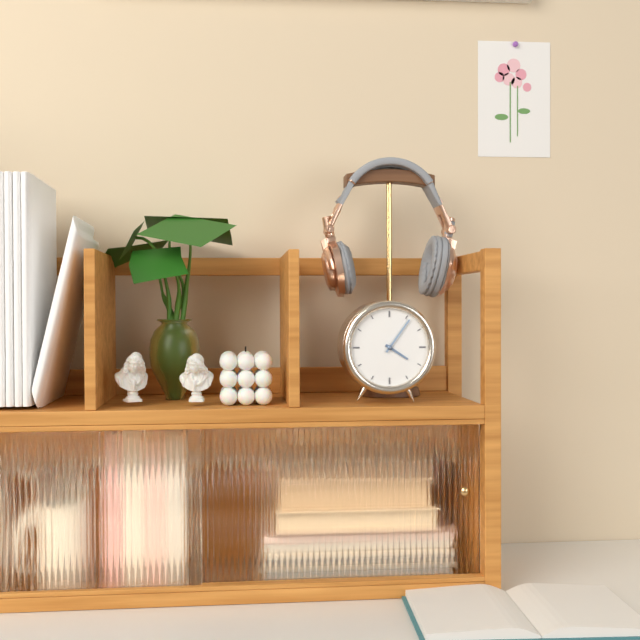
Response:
4h06
